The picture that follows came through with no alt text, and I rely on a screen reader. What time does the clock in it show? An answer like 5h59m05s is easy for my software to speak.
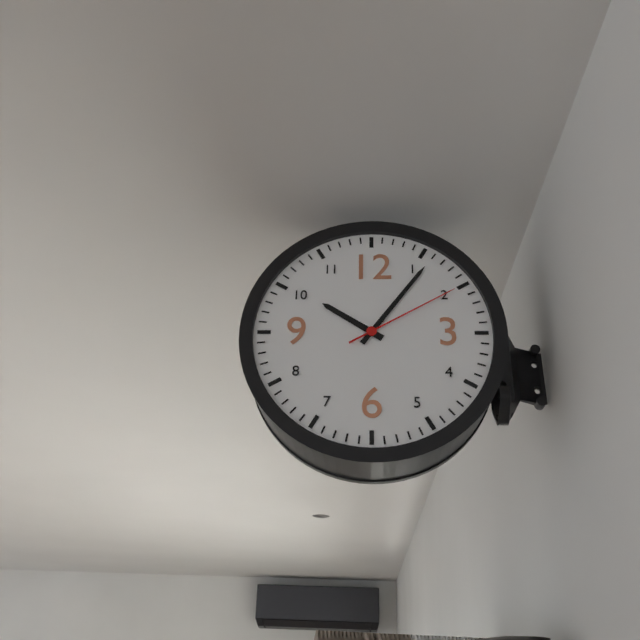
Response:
10h06m10s
